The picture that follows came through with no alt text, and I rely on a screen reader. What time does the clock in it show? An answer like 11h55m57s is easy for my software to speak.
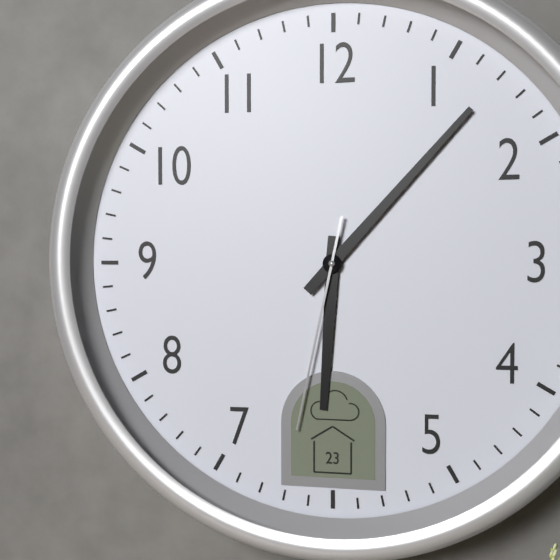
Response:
6h07m32s
